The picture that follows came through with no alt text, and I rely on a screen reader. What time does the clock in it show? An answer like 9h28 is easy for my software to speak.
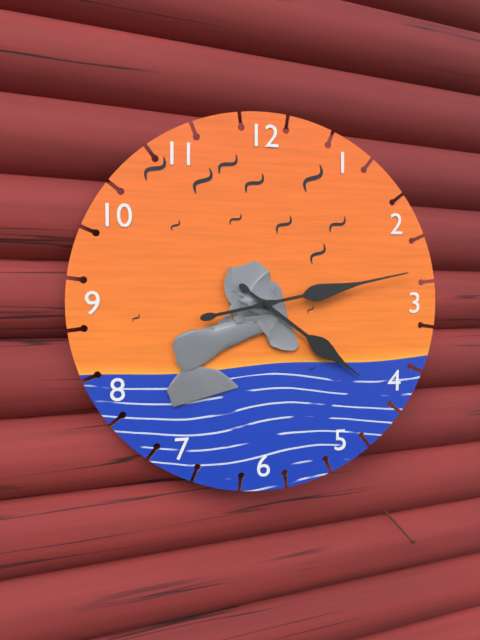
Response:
4h13
